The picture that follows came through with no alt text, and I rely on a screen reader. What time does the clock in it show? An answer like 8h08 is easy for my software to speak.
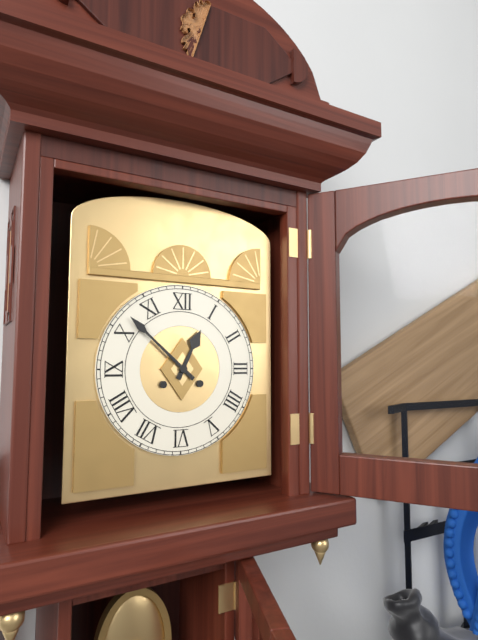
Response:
12h52
